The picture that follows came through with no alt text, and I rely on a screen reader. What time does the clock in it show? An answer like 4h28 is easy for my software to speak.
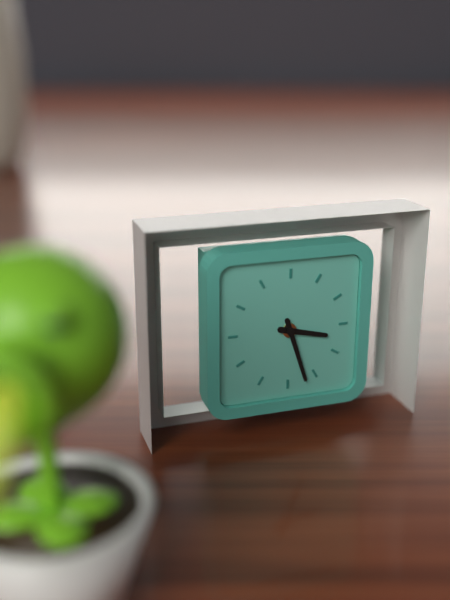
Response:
3h27
